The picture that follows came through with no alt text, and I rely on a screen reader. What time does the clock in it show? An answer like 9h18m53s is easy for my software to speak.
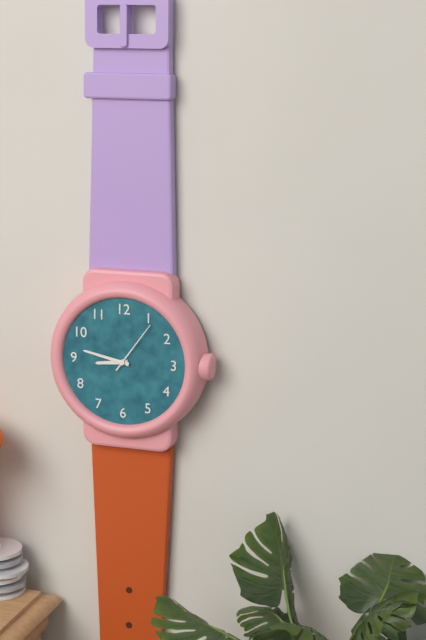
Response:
8h47m06s
